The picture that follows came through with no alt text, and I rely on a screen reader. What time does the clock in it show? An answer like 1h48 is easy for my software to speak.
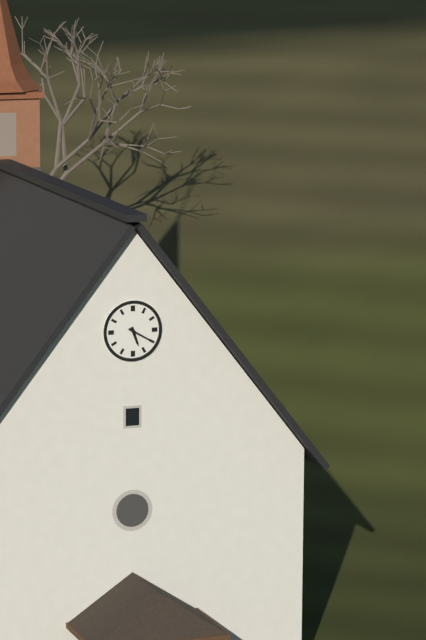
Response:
5h20
